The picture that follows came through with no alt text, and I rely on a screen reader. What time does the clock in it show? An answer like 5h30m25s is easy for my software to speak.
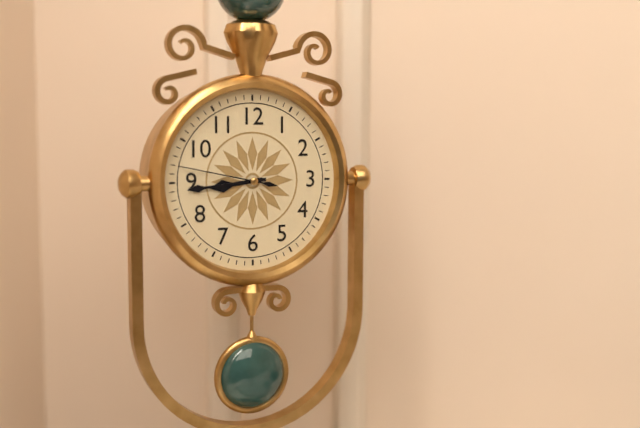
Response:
8h44m47s
